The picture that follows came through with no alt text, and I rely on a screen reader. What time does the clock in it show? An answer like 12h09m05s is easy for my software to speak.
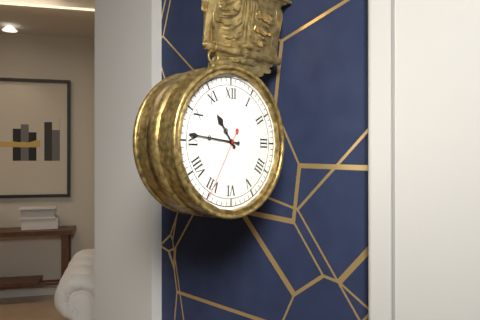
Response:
10h46m35s
